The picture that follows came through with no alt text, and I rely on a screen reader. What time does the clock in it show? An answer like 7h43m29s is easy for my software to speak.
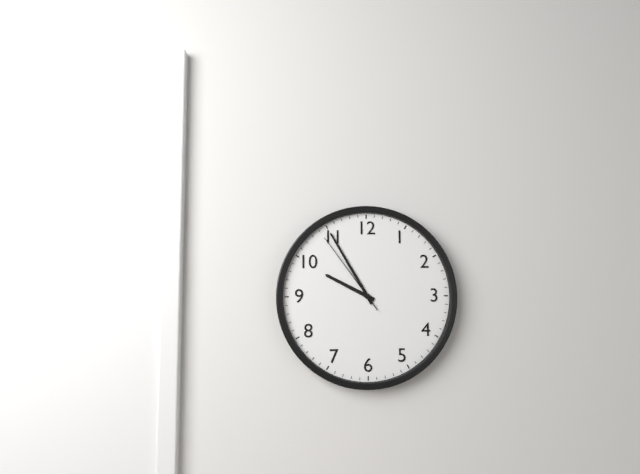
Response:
9h55m54s
